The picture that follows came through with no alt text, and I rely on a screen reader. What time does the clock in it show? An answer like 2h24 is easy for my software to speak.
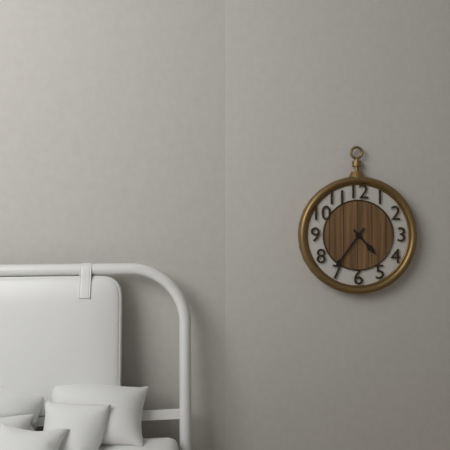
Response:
4h36
